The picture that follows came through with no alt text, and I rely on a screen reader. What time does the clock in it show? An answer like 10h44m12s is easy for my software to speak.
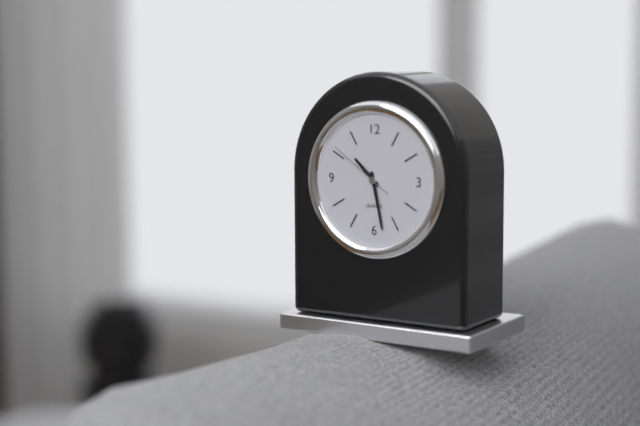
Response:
10h28m51s
